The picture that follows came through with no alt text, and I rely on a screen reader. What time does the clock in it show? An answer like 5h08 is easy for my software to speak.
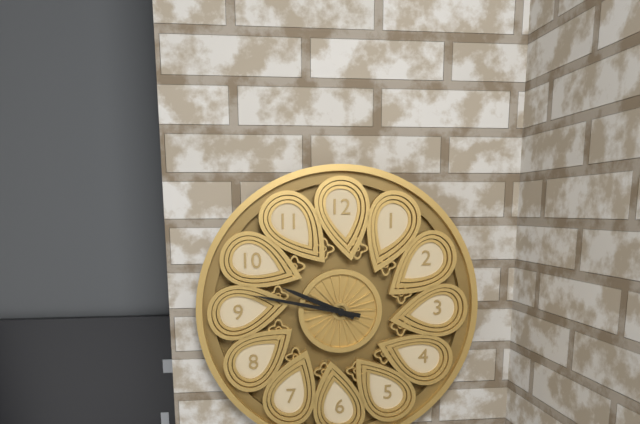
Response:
9h47
